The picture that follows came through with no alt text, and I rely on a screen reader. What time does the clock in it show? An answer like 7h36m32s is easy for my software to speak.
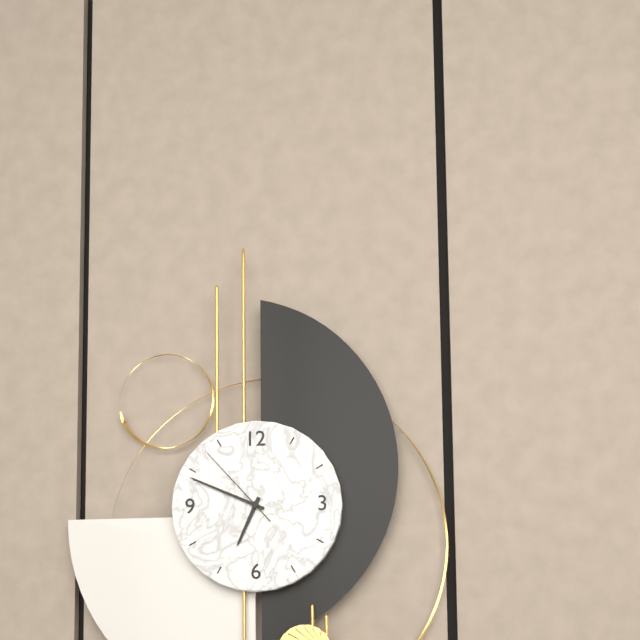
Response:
6h49m53s
